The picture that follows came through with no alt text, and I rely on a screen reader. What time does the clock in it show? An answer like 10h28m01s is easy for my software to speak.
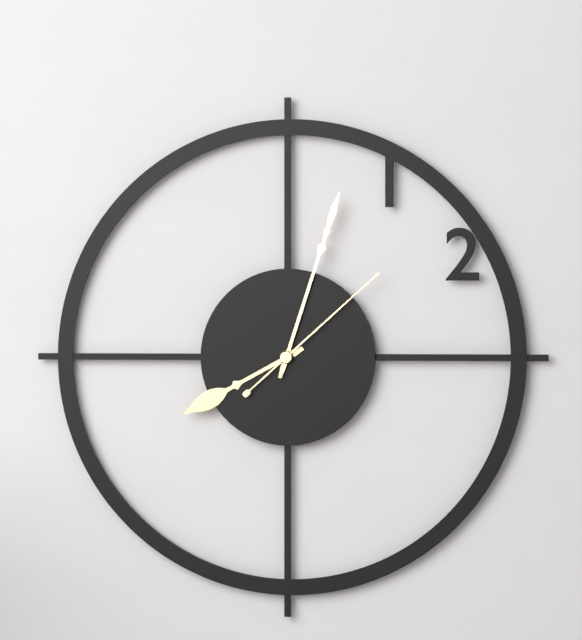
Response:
8h03m08s
